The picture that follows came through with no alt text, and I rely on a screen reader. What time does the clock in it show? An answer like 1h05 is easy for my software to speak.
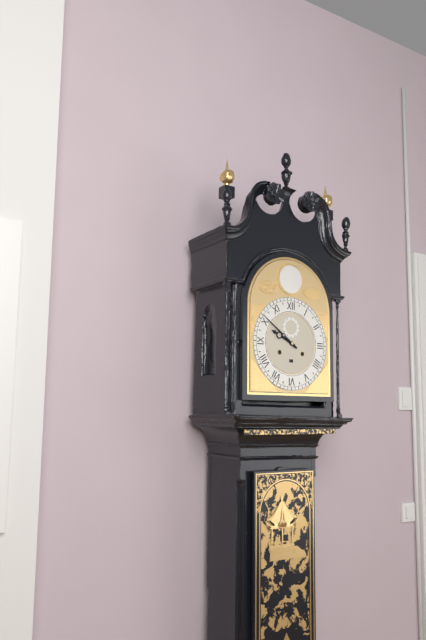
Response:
9h51
